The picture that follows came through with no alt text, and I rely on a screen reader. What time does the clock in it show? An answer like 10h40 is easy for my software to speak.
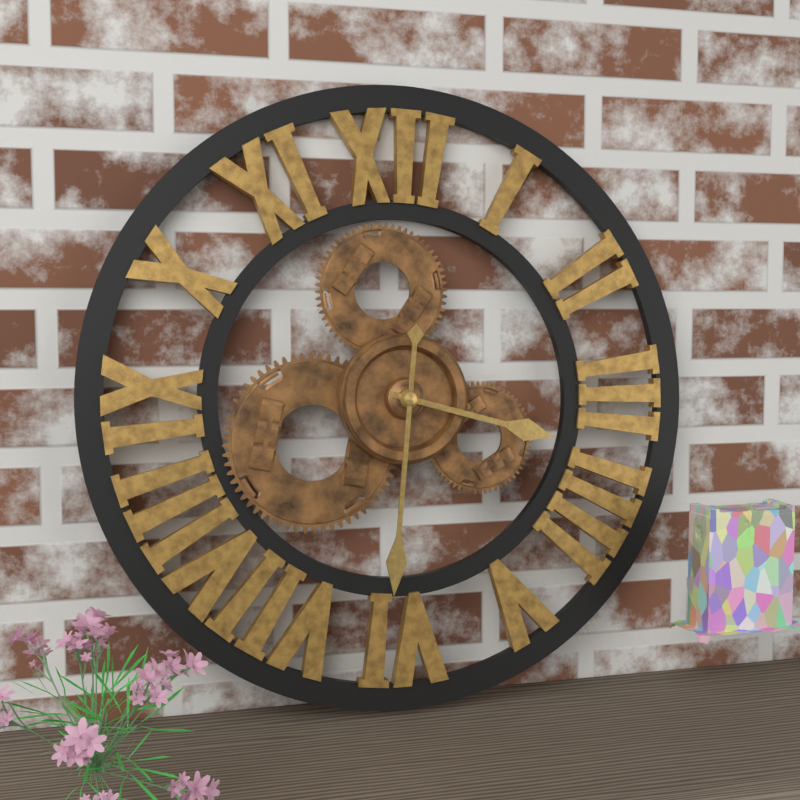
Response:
3h31
